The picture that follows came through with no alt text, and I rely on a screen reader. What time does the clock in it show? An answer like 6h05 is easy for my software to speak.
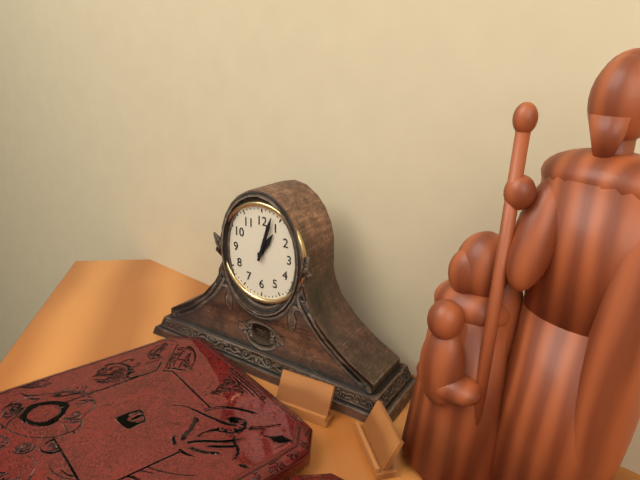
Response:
1h03
